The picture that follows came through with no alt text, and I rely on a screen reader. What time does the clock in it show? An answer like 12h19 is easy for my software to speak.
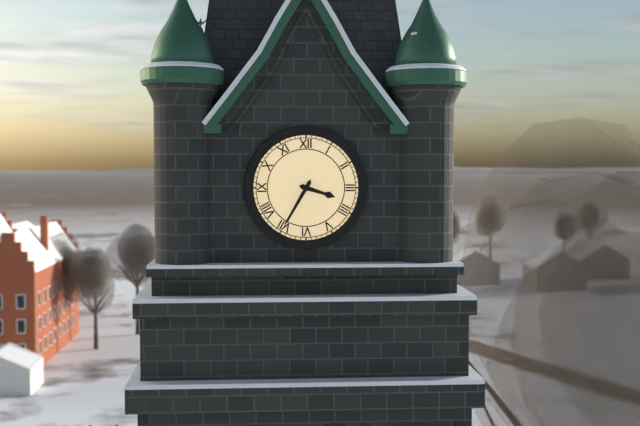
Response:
3h35
